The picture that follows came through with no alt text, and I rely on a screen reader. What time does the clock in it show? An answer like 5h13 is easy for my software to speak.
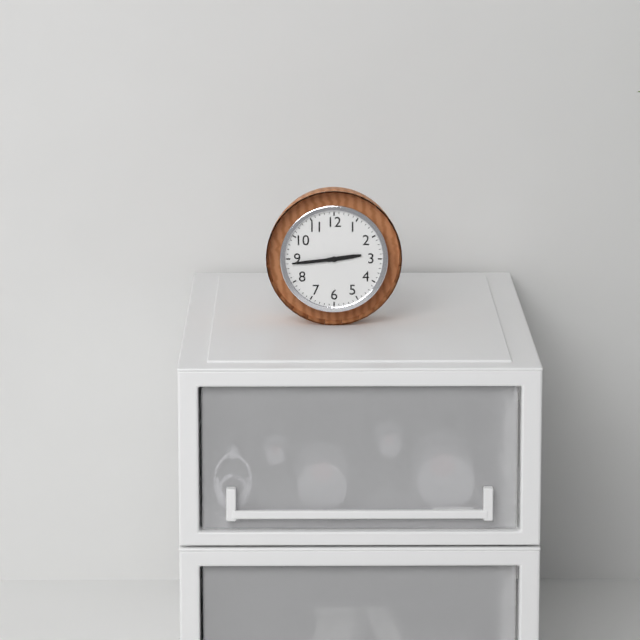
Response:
2h44
